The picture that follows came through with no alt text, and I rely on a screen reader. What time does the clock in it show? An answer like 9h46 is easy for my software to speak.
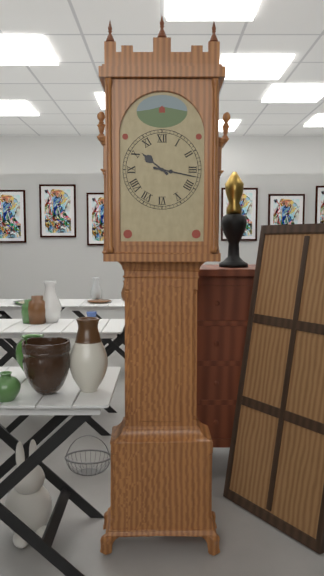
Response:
10h17
